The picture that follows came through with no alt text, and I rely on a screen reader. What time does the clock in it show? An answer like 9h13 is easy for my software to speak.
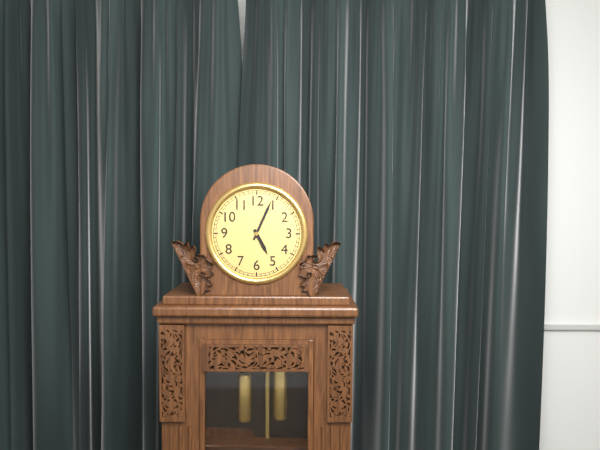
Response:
5h04
